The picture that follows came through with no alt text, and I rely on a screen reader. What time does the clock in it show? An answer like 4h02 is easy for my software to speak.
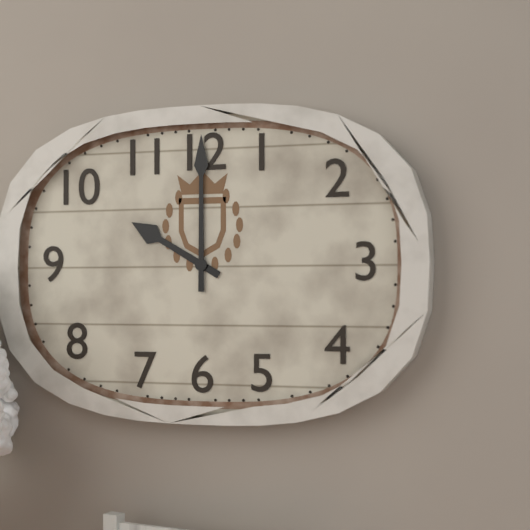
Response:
10h00
